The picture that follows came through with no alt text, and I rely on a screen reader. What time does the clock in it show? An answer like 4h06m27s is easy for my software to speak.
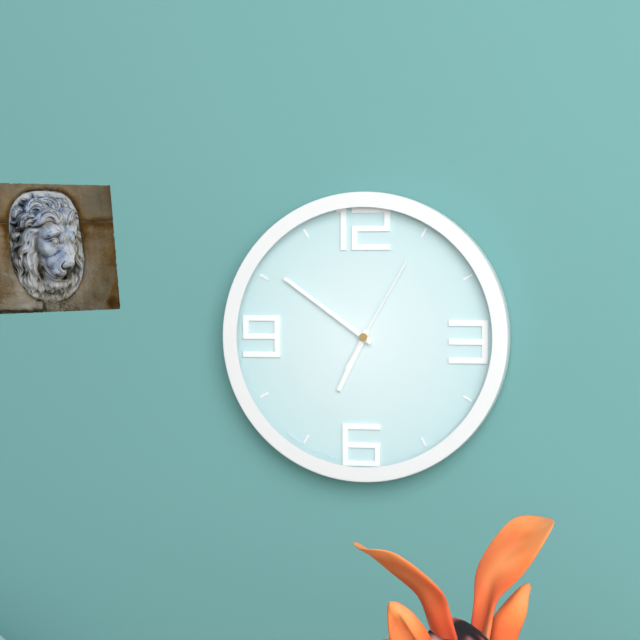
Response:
6h51m05s
